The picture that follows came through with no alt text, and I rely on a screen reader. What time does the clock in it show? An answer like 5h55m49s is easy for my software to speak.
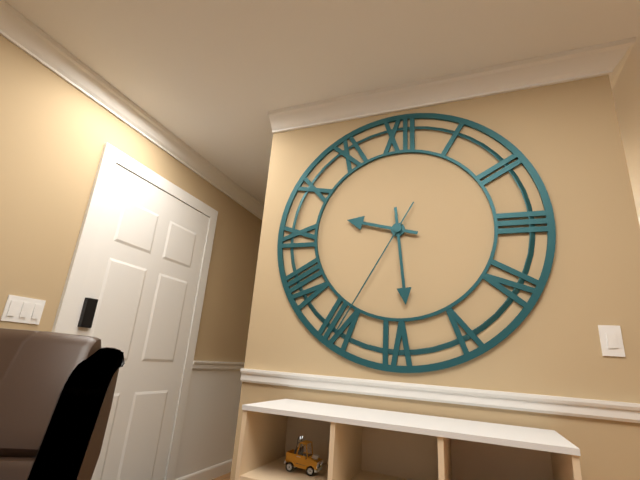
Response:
9h29m35s
